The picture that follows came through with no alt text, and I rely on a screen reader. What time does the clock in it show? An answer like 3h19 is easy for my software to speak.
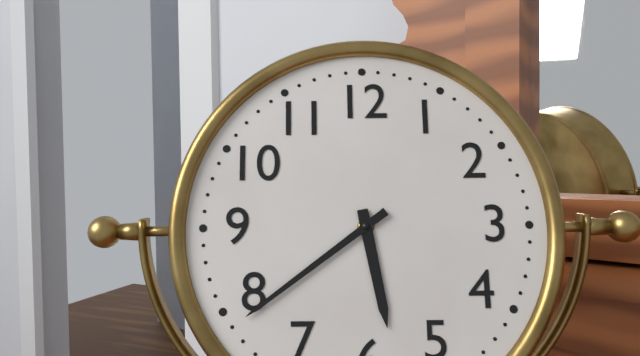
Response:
5h39
